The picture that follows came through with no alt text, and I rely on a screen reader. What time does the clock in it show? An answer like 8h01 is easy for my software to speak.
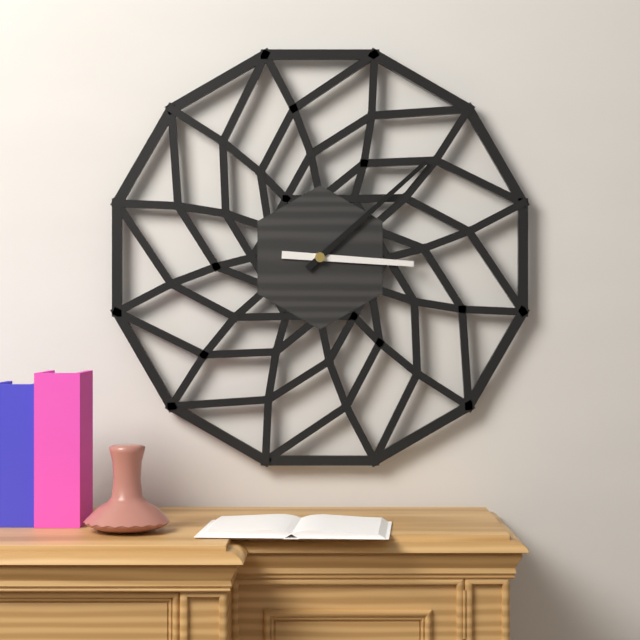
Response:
3h08
